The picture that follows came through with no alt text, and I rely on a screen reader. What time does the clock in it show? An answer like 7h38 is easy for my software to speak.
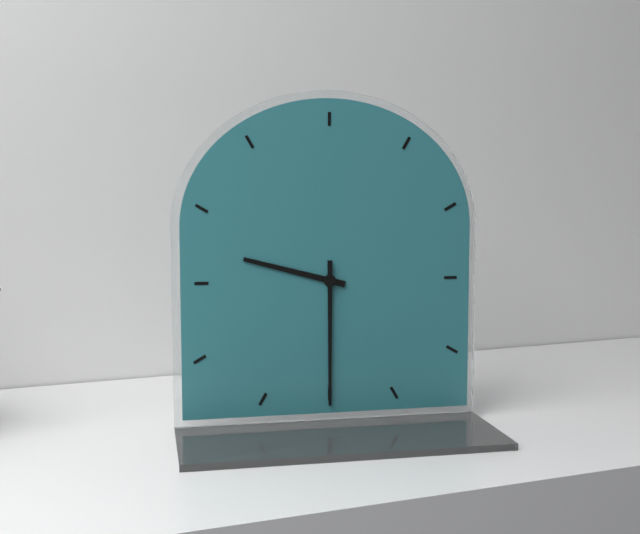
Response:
9h30
